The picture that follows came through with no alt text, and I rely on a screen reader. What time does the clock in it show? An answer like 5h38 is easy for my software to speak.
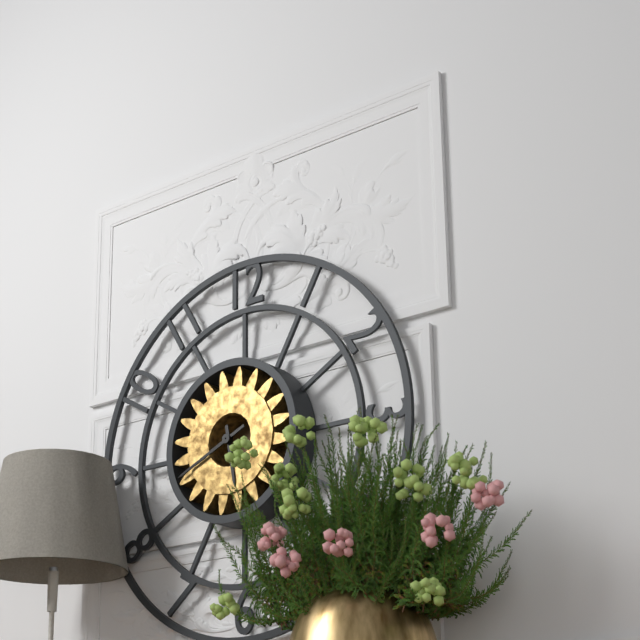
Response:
5h41
